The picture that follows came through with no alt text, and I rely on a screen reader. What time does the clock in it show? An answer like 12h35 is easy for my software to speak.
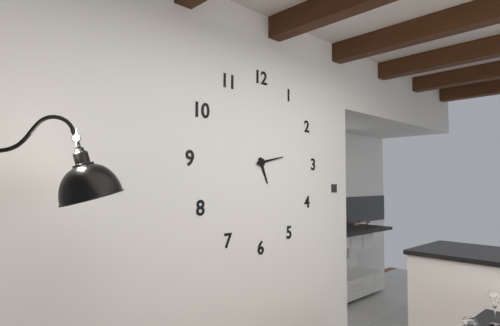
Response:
5h13
